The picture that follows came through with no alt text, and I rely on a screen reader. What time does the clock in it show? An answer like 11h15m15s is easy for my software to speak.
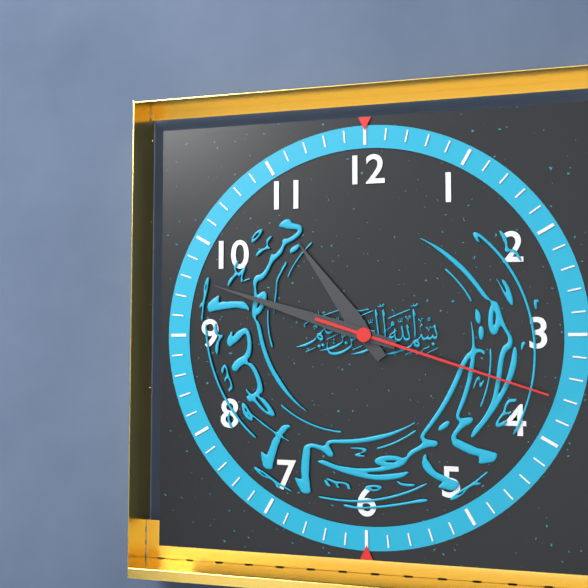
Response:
10h48m18s
